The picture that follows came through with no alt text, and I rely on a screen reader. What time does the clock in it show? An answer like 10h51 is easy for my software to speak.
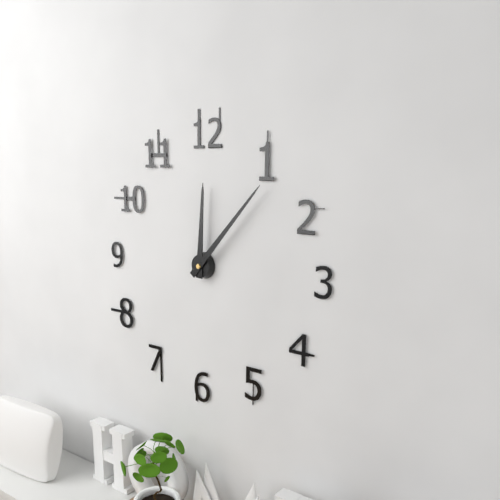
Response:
12h07
